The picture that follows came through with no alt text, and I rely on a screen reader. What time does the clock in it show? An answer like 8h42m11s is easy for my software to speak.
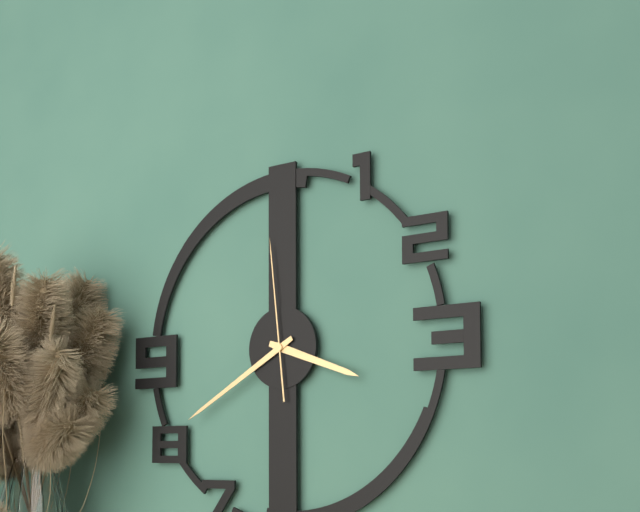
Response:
3h40m59s
